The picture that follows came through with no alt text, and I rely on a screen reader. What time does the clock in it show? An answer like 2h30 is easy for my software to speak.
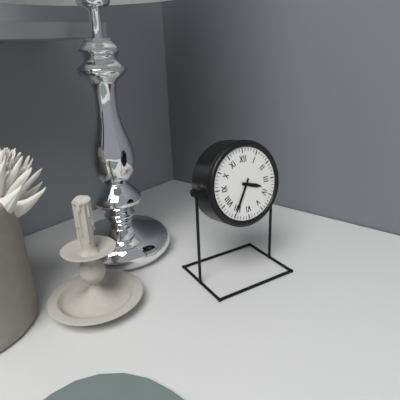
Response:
3h35
